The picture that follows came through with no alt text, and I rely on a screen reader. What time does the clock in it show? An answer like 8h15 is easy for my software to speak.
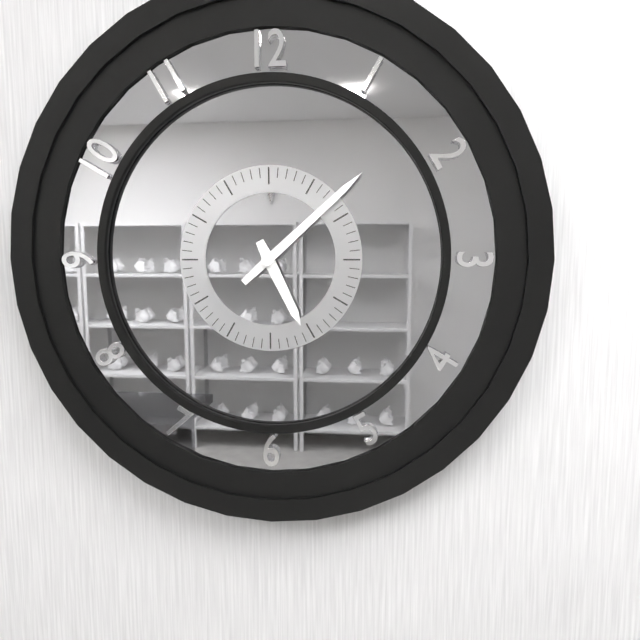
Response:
5h08
